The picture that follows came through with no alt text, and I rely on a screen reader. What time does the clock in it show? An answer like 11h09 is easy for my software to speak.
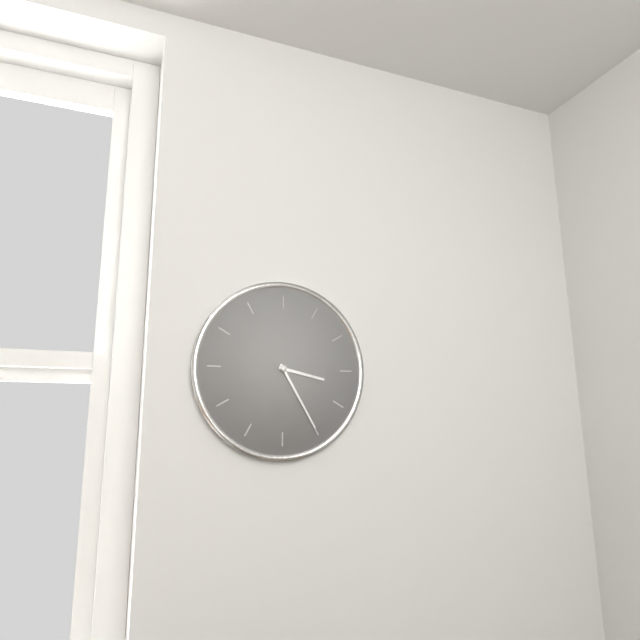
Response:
3h25
